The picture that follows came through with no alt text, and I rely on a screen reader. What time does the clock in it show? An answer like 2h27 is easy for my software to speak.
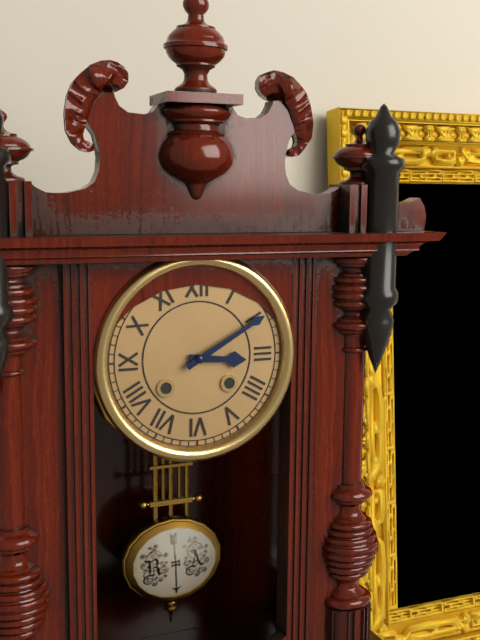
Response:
3h10
